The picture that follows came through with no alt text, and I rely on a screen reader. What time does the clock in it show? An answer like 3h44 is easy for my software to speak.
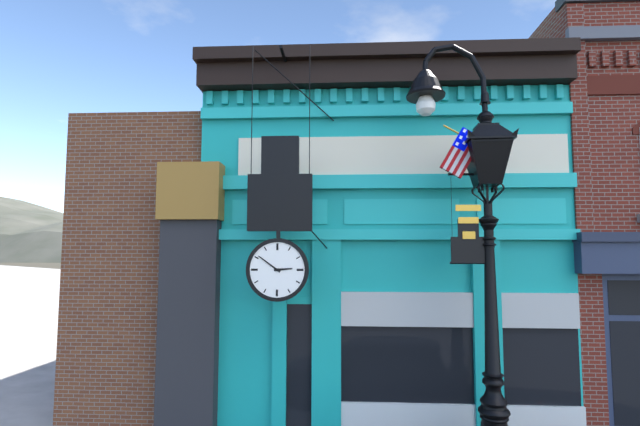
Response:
2h51
